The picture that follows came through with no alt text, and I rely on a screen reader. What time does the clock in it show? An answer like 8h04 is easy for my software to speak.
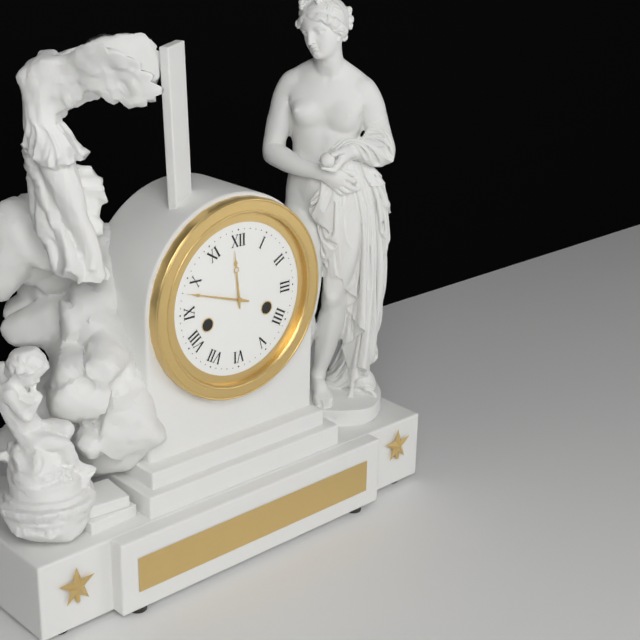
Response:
11h48
